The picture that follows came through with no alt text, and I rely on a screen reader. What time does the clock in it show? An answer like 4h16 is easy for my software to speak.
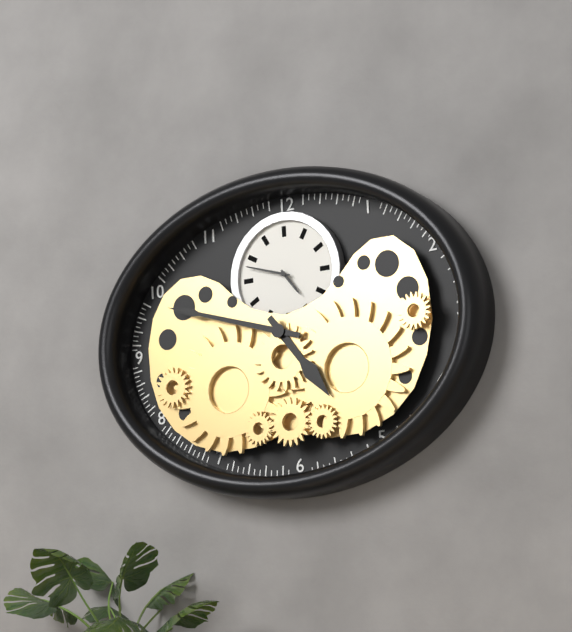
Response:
4h48
